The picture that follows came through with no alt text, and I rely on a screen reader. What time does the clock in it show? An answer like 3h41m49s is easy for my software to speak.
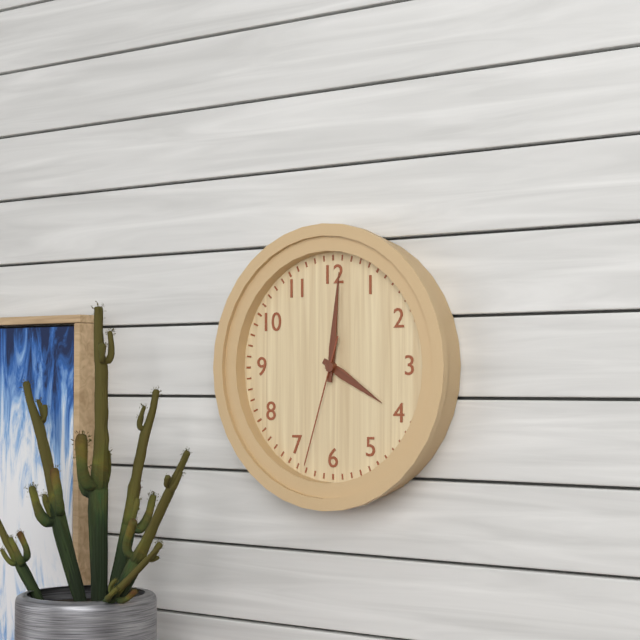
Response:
4h01m33s
